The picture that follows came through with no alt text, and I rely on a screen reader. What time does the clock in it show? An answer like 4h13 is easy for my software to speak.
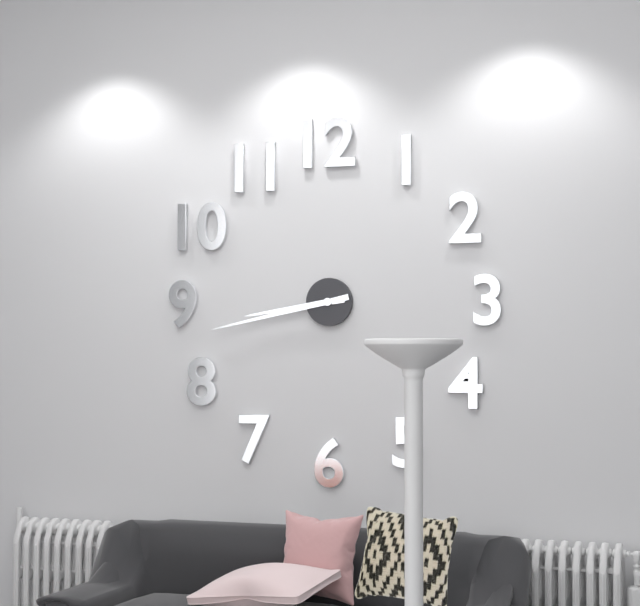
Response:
8h43
